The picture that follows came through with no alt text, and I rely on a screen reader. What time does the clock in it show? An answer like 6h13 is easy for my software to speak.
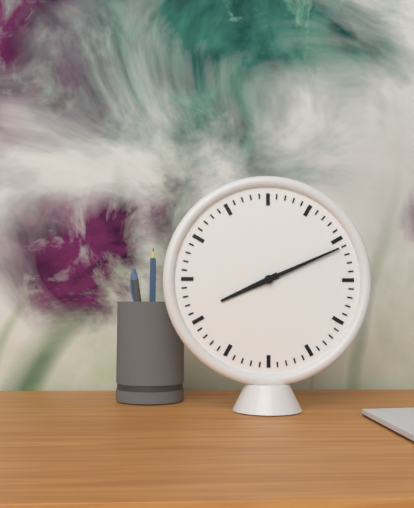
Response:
8h11
